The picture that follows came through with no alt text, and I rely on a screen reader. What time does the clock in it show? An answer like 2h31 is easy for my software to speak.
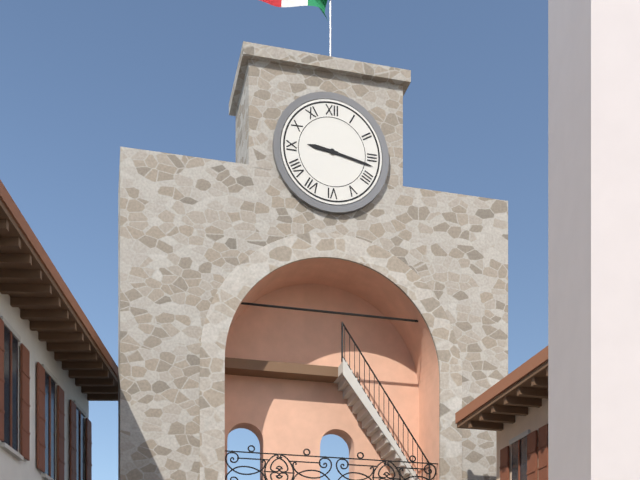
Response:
9h17
